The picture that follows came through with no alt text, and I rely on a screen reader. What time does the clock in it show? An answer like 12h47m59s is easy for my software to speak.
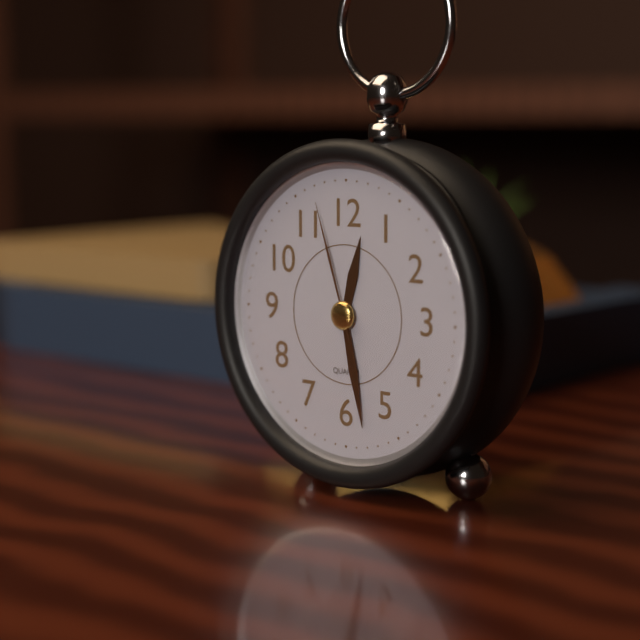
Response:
12h28m57s
